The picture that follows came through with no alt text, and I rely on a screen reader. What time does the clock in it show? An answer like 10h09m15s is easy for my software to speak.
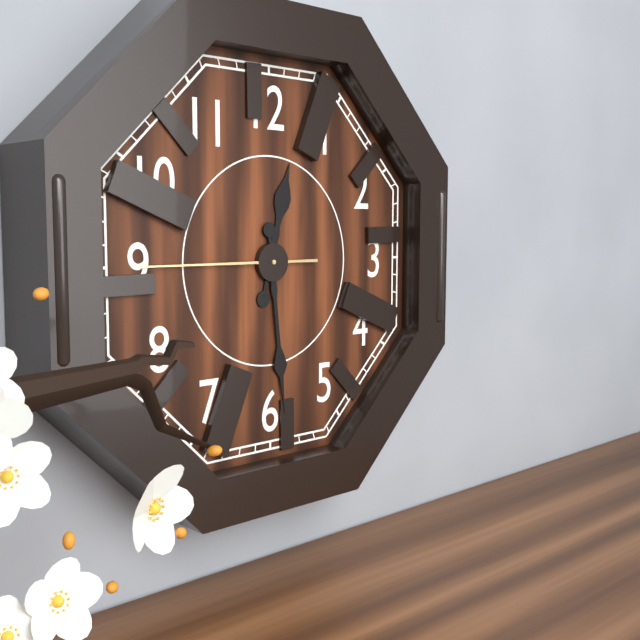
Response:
12h29m45s
